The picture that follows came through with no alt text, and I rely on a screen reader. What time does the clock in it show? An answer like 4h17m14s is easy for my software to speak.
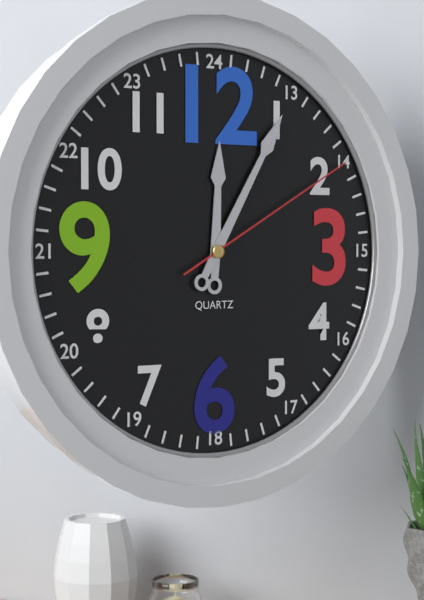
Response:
12h05m10s
